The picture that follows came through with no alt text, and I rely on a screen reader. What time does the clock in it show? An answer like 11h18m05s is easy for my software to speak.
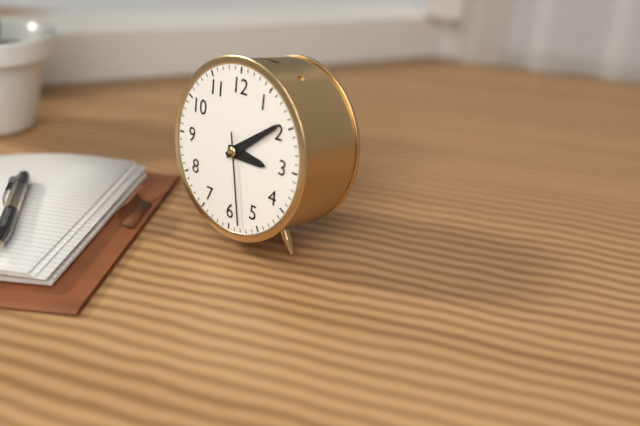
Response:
3h09m28s
